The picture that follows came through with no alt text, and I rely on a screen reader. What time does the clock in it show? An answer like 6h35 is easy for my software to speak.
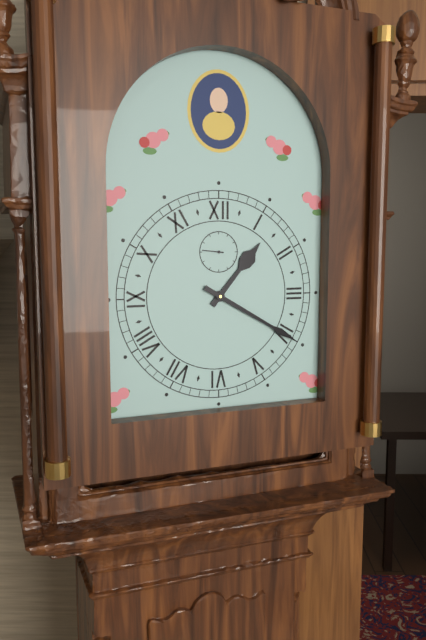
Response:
1h20
